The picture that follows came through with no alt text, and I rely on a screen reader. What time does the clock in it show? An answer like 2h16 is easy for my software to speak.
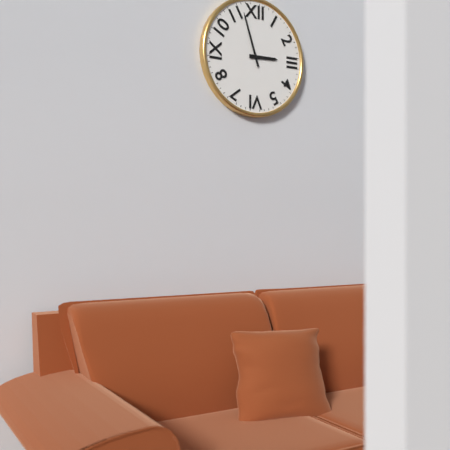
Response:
2h57
